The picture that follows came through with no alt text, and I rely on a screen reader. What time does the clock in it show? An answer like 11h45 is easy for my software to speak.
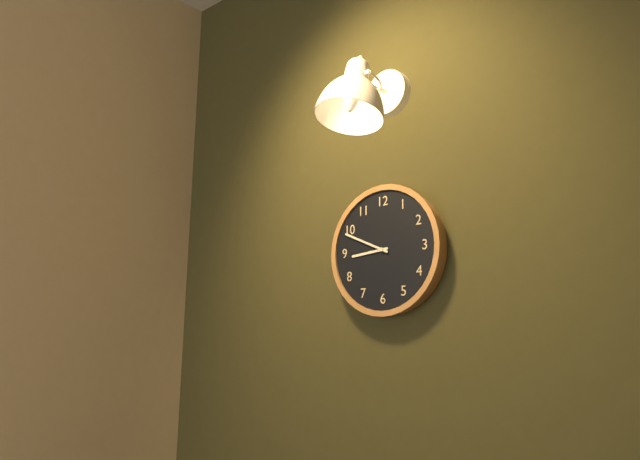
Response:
8h49
